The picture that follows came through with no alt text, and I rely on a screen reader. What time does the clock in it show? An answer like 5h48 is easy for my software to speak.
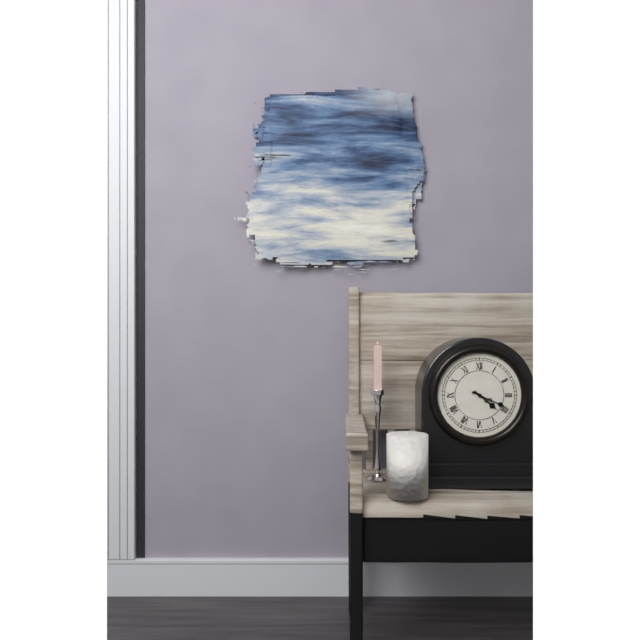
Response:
4h19
